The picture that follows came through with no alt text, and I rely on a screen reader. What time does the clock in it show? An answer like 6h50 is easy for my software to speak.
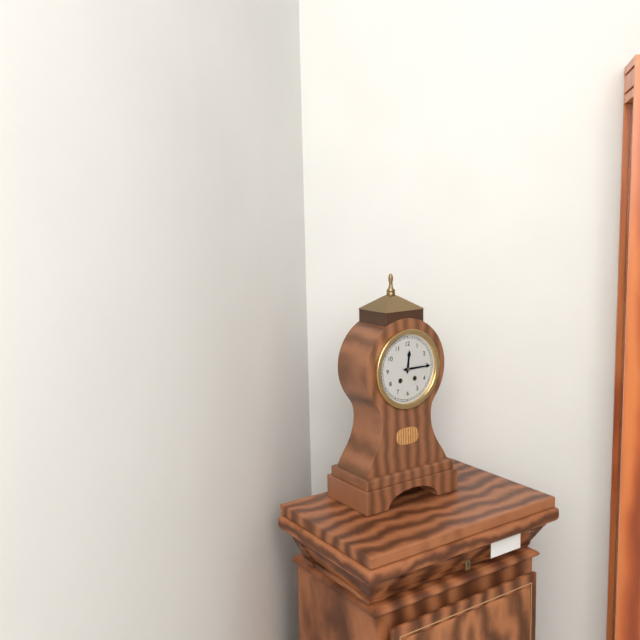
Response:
12h15
